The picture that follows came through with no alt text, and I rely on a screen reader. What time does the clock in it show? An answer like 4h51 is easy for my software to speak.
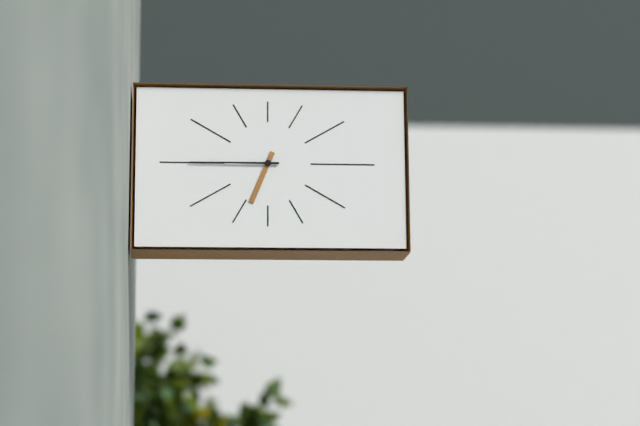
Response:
6h45
